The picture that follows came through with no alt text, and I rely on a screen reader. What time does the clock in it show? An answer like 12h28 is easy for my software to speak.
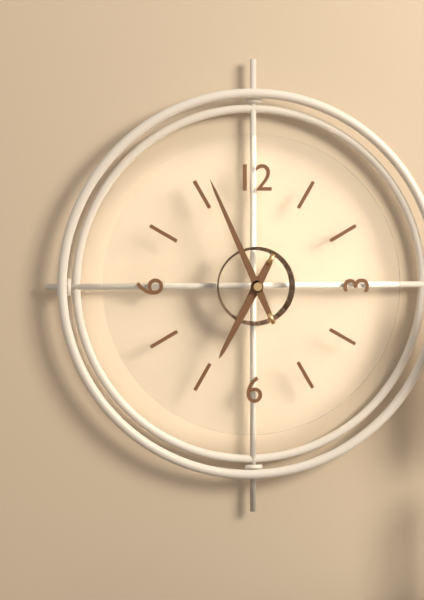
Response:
6h56
